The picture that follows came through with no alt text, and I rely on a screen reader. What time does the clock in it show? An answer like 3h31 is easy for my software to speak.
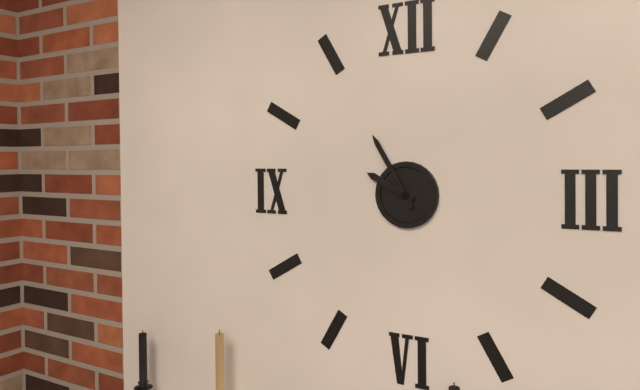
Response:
9h55
